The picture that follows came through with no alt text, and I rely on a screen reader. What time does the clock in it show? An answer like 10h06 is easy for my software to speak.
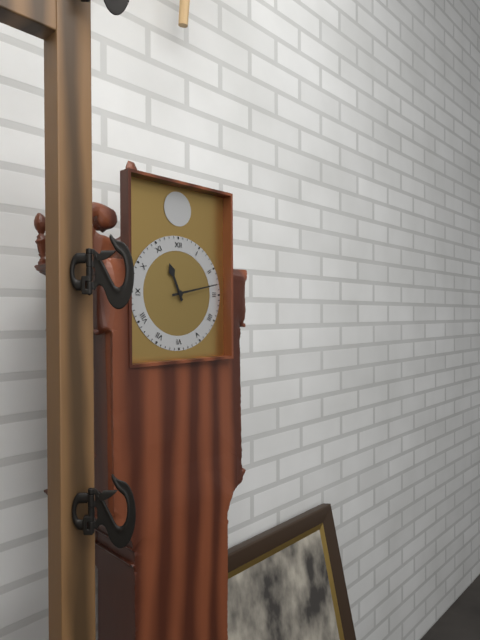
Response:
11h13
